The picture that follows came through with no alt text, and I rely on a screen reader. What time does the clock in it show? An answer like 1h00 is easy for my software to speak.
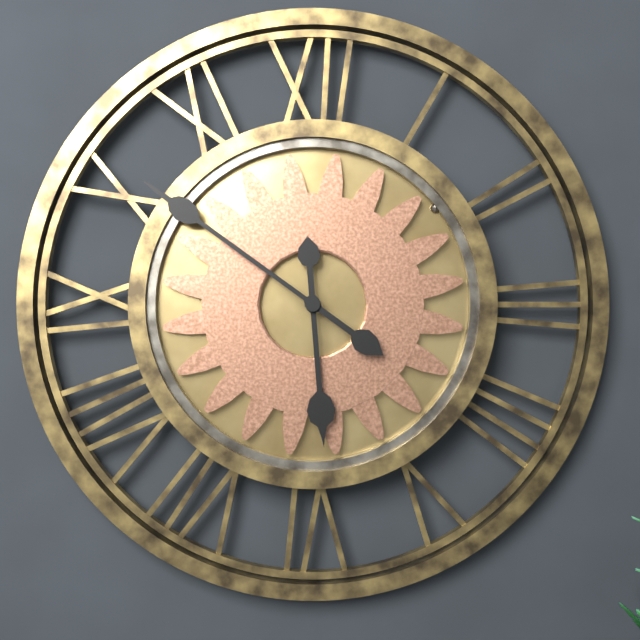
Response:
5h51
